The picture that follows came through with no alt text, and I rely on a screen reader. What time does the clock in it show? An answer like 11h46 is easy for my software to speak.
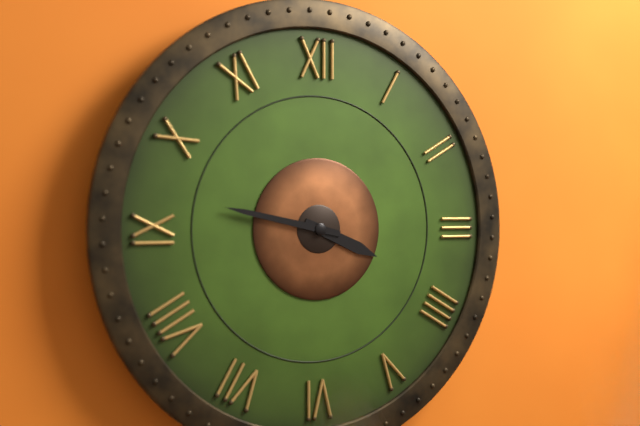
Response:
3h47
